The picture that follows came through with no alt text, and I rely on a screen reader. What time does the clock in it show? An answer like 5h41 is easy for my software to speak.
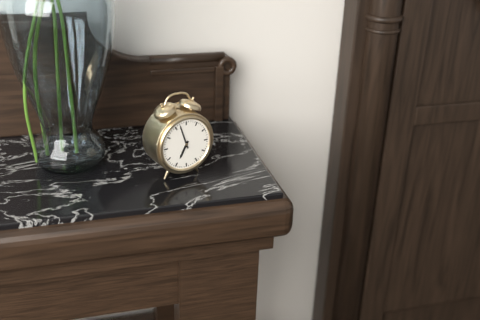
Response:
6h57
